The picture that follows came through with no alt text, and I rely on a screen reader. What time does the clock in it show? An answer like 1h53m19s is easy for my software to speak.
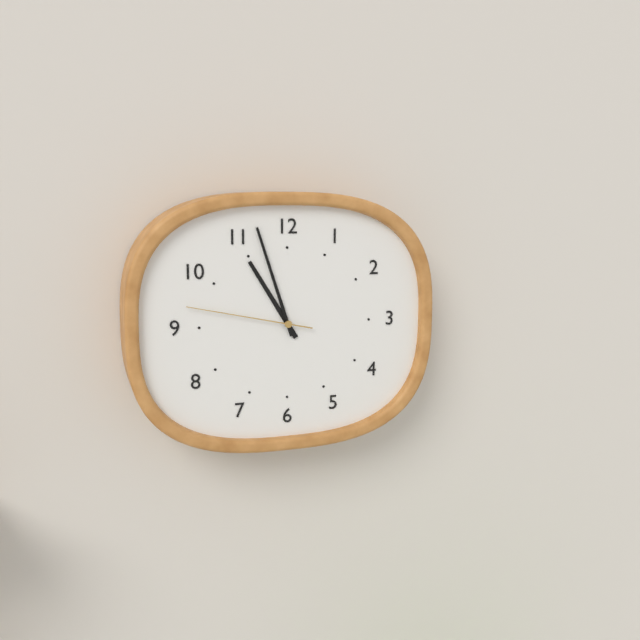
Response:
10h57m47s
